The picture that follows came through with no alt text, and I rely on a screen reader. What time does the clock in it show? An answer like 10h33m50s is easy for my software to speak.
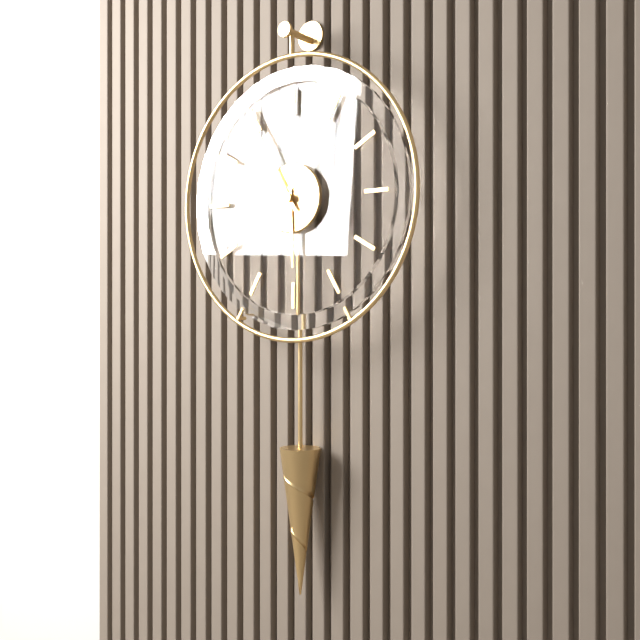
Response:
5h55m05s
